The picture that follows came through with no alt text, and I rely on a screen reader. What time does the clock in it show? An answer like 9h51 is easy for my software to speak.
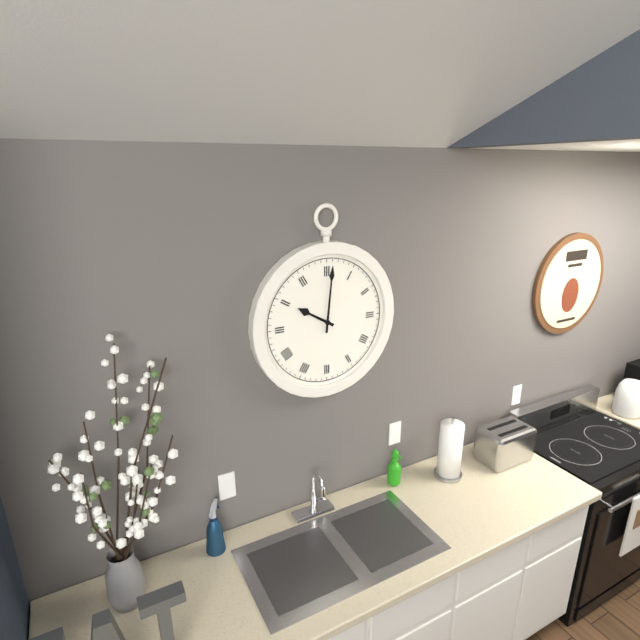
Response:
10h01
